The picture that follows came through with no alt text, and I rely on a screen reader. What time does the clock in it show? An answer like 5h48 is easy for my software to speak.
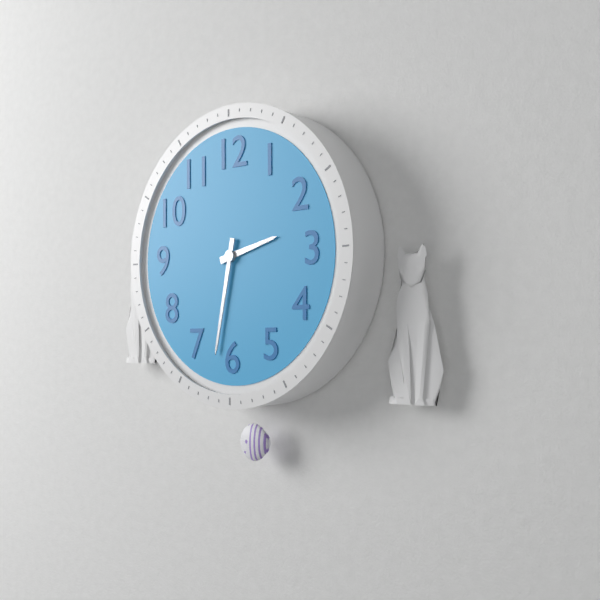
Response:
2h32
